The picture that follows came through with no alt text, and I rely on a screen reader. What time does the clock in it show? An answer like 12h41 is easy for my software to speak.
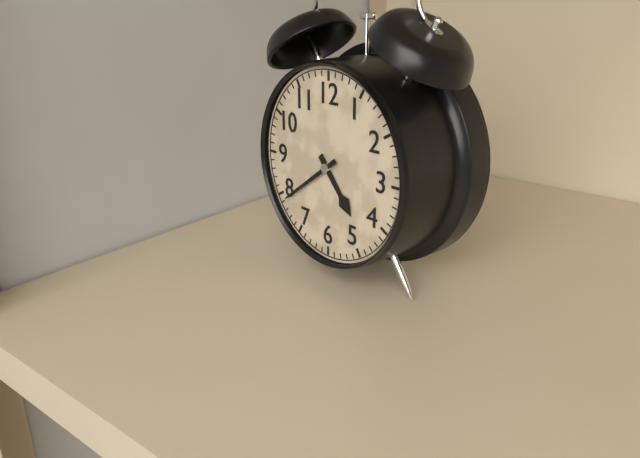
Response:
4h39
